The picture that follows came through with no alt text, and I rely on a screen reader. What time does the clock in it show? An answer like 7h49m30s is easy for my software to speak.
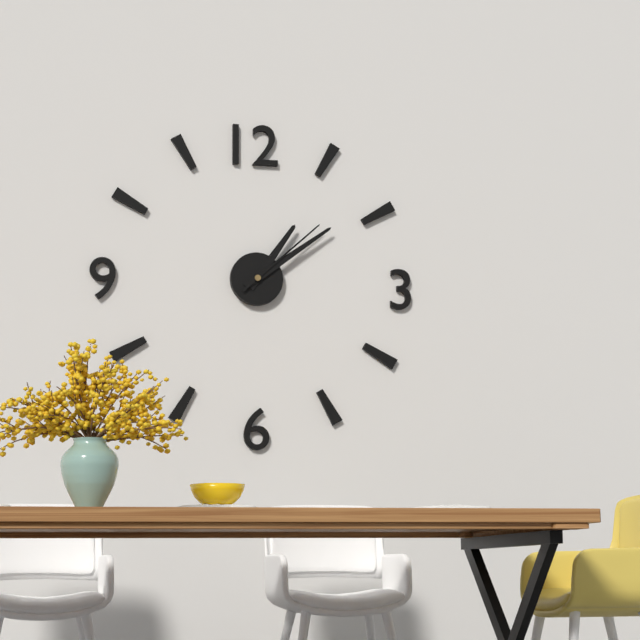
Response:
1h09m08s
